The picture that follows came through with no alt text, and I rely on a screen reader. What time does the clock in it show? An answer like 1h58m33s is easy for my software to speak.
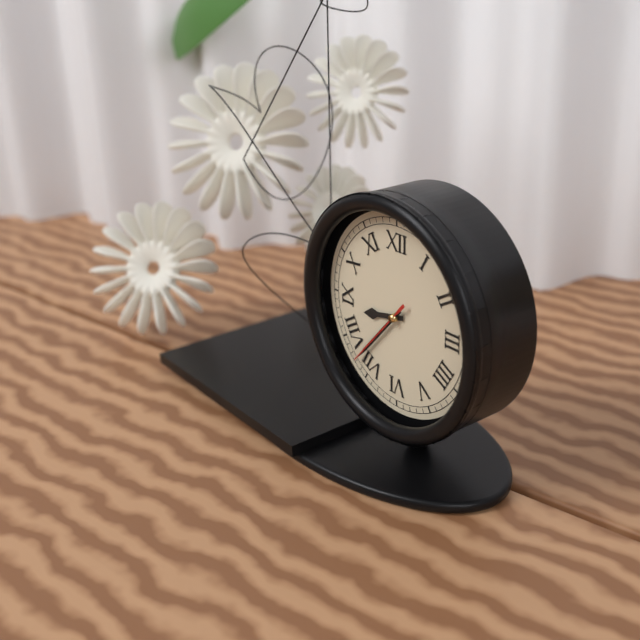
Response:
8h37m37s
